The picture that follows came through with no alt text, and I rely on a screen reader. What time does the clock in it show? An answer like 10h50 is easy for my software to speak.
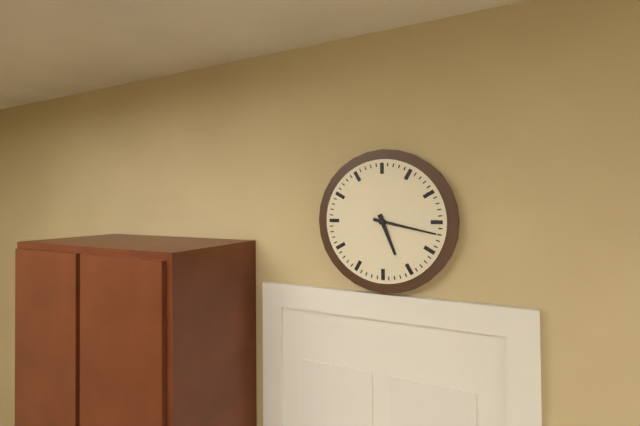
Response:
5h17
